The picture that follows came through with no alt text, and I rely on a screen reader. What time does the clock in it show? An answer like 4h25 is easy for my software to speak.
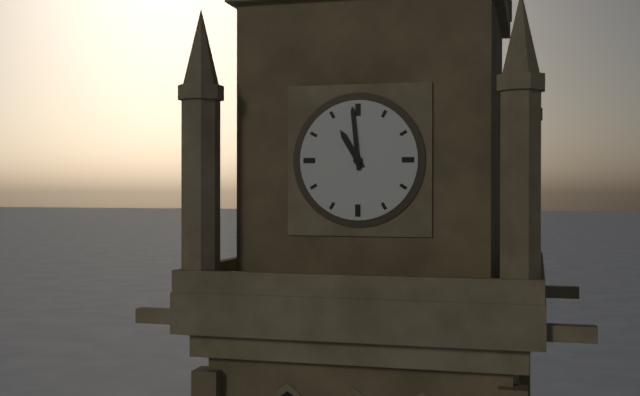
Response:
10h59
